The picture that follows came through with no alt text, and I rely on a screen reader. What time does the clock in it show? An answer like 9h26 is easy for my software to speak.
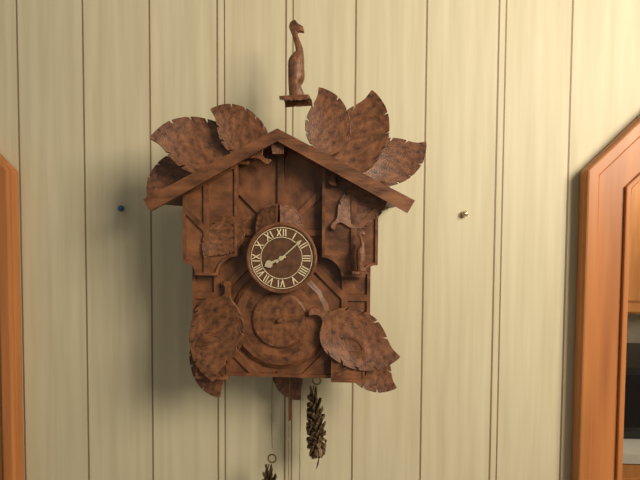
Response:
8h08
